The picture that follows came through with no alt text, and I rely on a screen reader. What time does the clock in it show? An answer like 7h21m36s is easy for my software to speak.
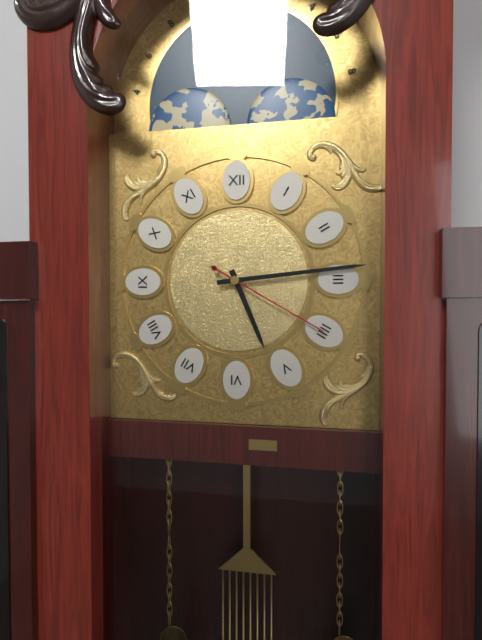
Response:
5h14m20s
